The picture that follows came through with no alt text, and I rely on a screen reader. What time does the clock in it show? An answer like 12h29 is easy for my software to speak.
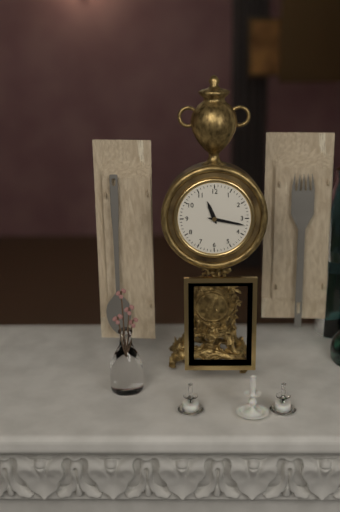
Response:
11h17
